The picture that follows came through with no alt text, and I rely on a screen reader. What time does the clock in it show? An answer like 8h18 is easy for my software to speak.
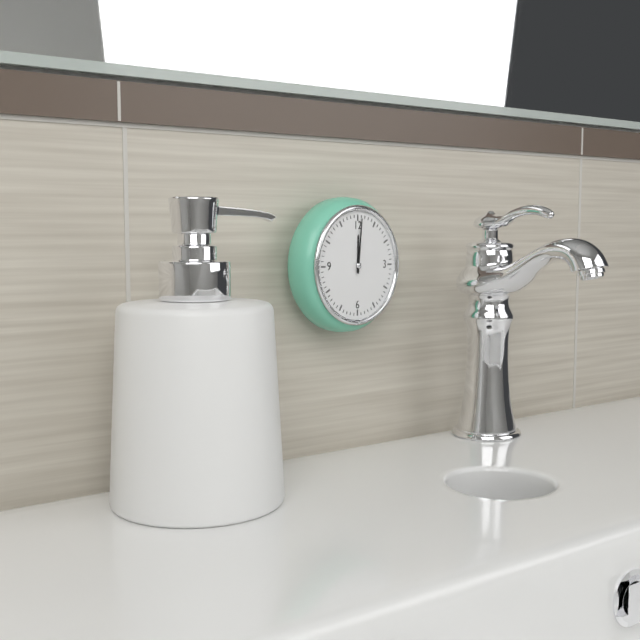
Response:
12h01
